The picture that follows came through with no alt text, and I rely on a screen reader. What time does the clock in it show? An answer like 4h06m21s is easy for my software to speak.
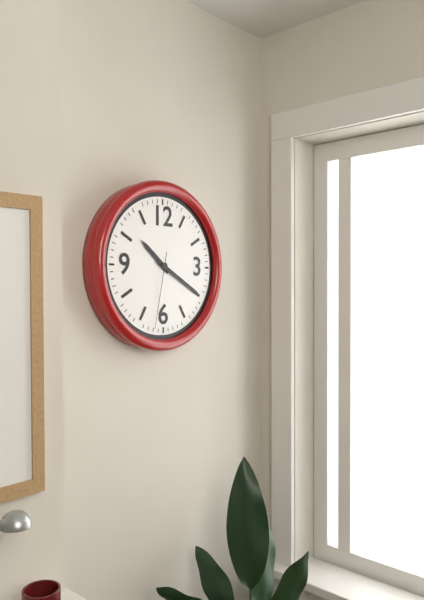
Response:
10h20m32s
